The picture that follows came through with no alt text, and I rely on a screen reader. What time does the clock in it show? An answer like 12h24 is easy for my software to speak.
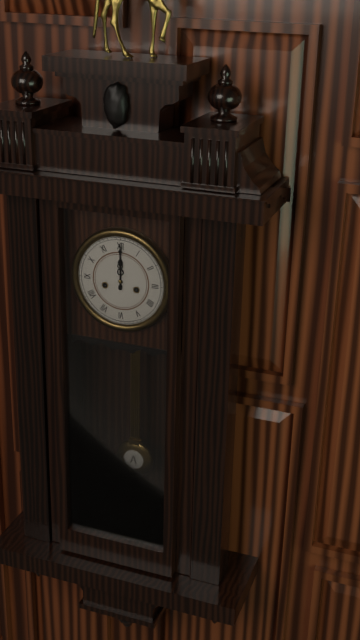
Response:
12h00
